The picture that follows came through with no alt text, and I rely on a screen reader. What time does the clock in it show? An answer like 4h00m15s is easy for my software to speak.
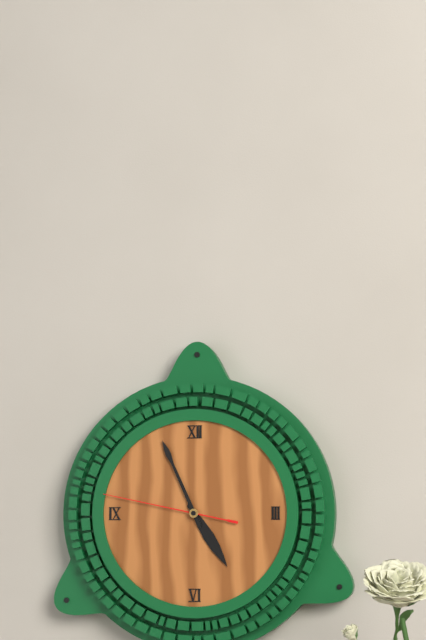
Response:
4h56m47s
